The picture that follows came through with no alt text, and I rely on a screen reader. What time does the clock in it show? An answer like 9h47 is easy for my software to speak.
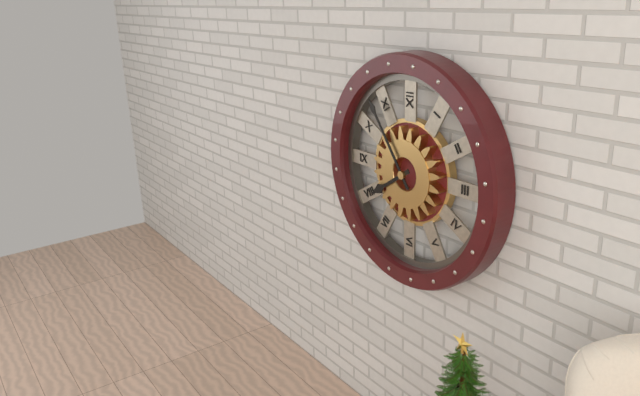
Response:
7h54
